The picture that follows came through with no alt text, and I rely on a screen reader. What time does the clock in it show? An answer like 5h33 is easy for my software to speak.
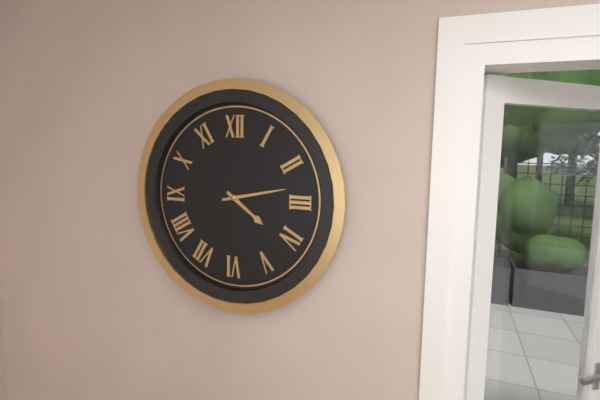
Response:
4h13
